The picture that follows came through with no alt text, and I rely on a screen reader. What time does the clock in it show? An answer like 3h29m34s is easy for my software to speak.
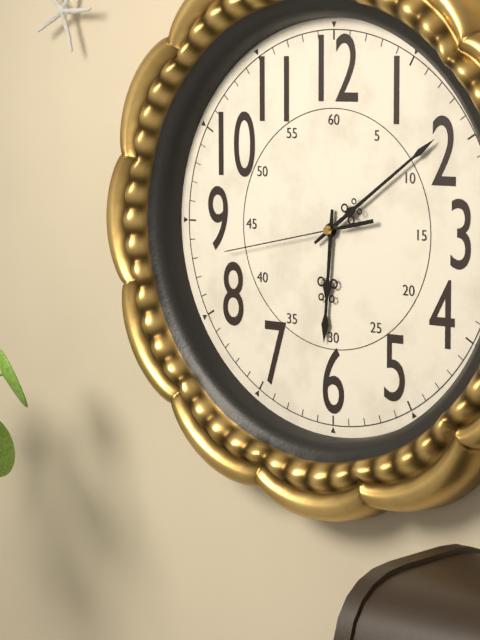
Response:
6h09m43s
